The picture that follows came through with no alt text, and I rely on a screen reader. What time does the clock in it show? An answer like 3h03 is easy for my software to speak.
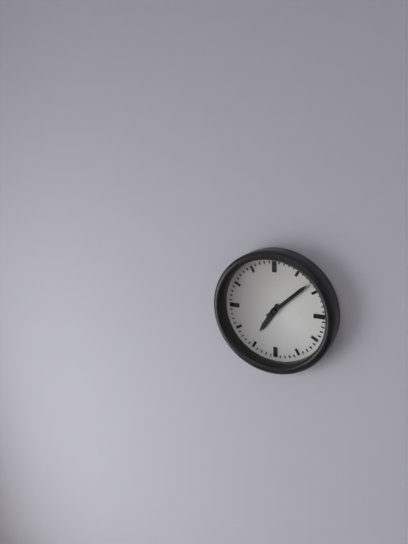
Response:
7h08
